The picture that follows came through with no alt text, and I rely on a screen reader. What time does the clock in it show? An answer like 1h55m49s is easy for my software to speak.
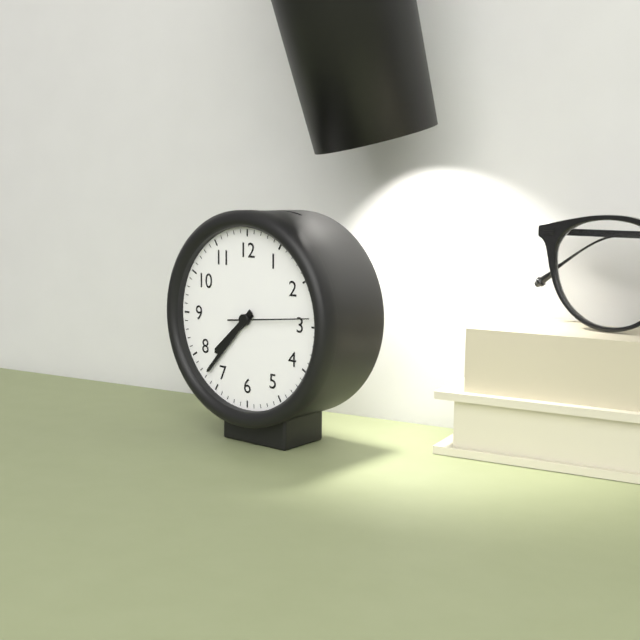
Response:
7h37m14s
